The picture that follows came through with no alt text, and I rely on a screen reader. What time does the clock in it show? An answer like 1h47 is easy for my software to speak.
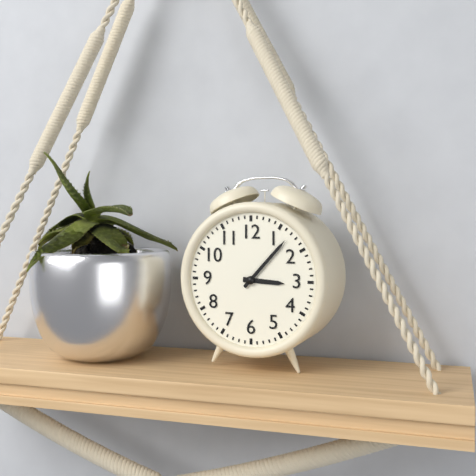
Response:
3h07
